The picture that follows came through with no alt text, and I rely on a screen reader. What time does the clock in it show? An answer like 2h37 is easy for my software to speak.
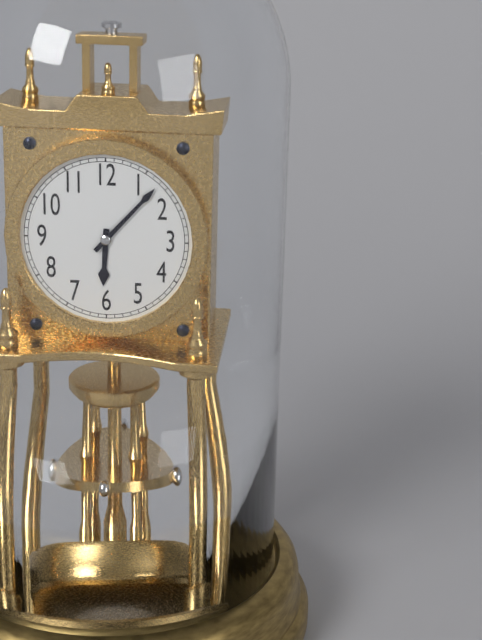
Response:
6h07
